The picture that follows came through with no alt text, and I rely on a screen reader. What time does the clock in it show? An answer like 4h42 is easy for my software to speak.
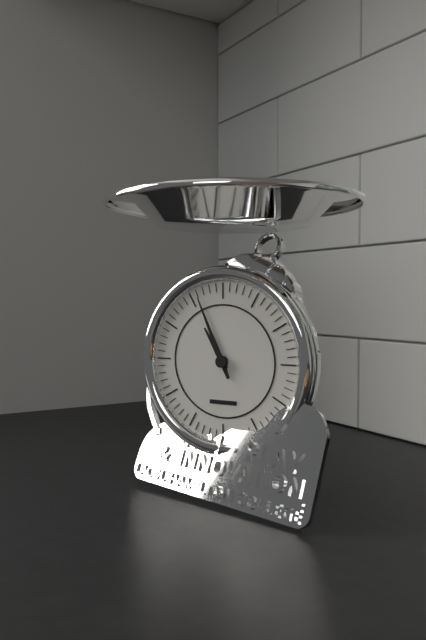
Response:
10h56
